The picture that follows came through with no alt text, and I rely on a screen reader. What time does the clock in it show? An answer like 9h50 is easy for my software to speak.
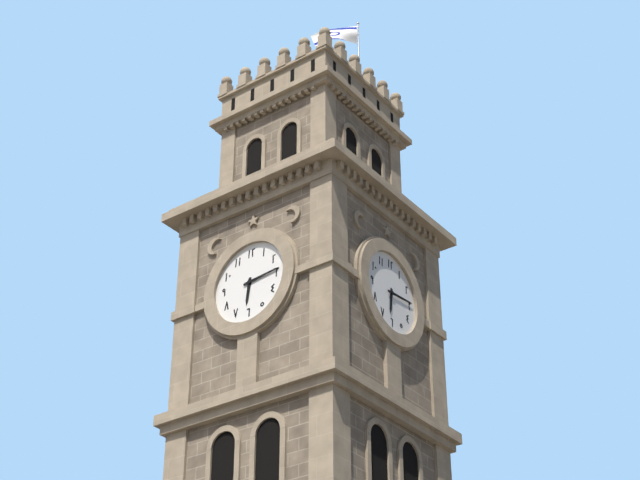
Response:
6h14
